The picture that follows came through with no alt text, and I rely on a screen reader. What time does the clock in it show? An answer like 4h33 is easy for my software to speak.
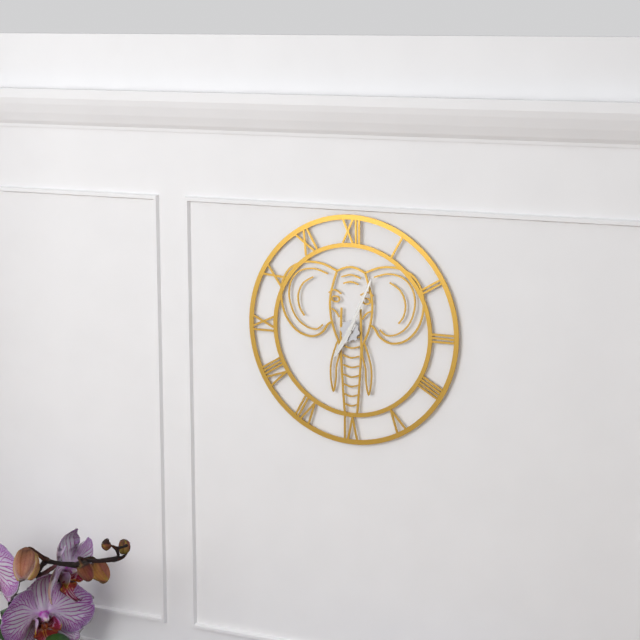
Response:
7h04
